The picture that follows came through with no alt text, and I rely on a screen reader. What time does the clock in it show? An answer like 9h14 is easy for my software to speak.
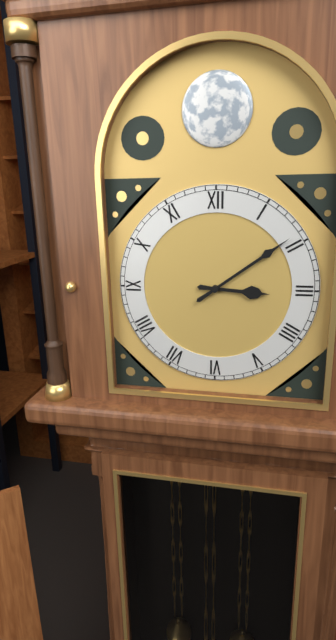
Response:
3h09
